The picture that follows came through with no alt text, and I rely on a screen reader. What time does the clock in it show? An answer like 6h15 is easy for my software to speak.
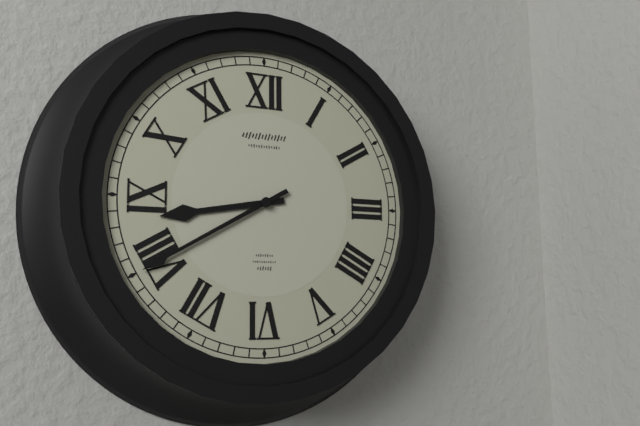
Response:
8h40
